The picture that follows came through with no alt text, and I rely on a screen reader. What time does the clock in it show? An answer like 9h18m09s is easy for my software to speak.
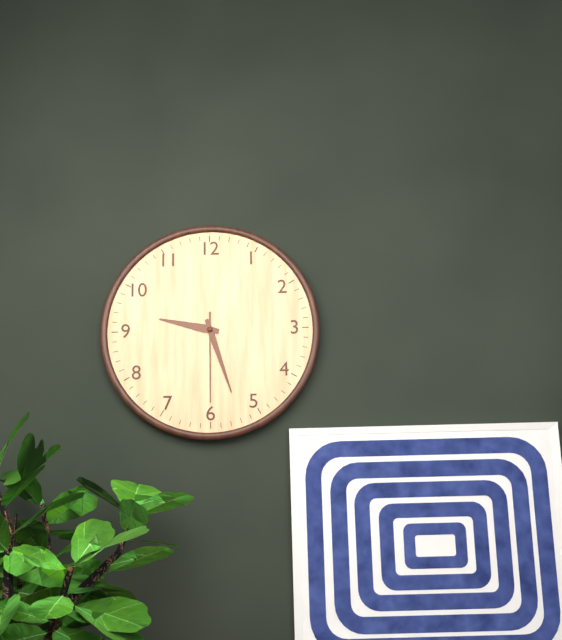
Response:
9h27m30s
